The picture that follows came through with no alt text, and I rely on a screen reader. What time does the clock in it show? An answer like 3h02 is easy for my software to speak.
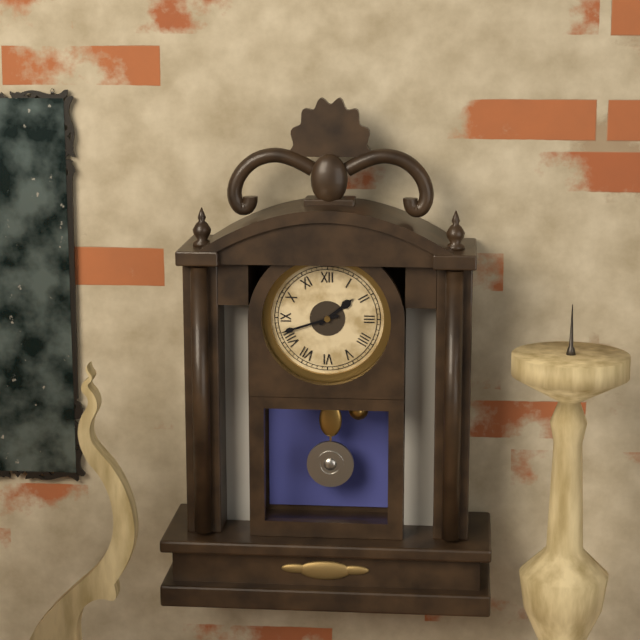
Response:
1h42
